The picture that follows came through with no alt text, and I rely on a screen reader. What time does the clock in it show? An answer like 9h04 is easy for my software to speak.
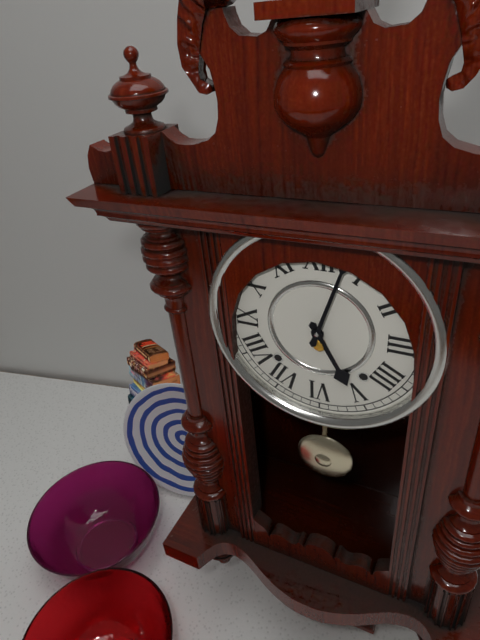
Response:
5h03
